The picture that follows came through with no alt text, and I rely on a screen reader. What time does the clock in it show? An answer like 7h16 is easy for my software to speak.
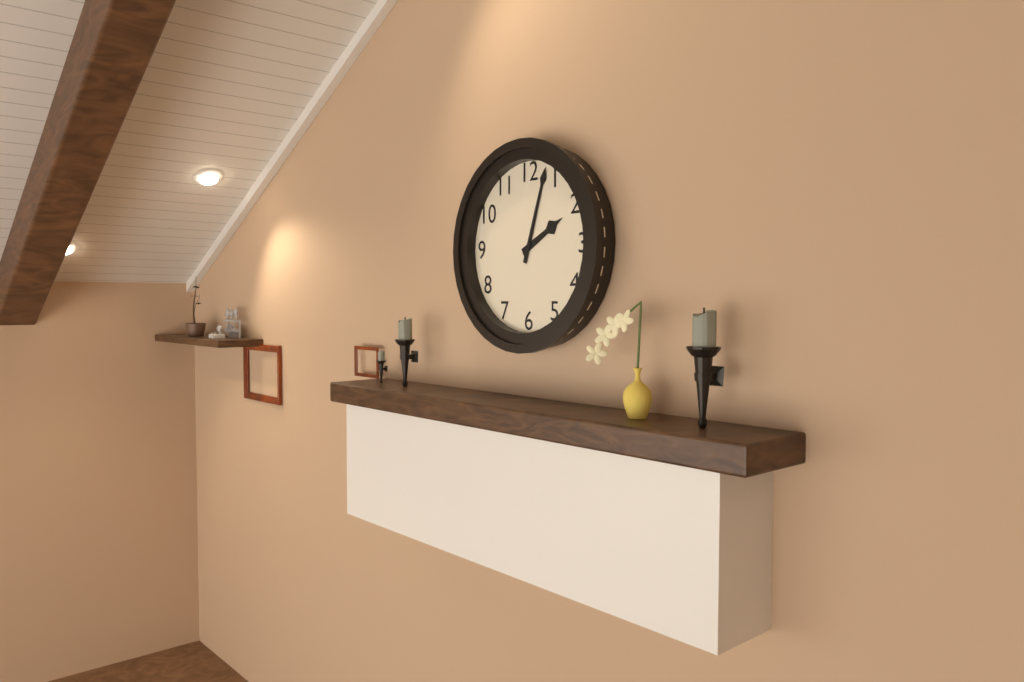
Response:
2h03
